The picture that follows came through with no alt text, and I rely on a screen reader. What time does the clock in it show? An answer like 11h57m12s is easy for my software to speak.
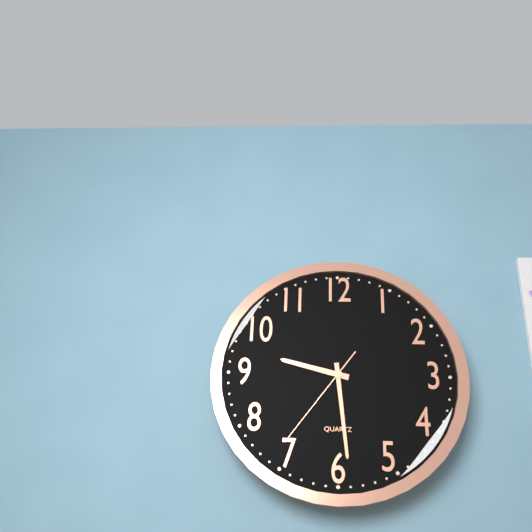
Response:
9h29m36s
